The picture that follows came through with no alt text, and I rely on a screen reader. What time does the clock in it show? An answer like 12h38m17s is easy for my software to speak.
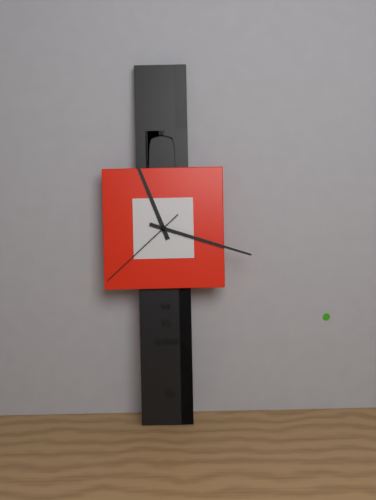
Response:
11h18m38s
